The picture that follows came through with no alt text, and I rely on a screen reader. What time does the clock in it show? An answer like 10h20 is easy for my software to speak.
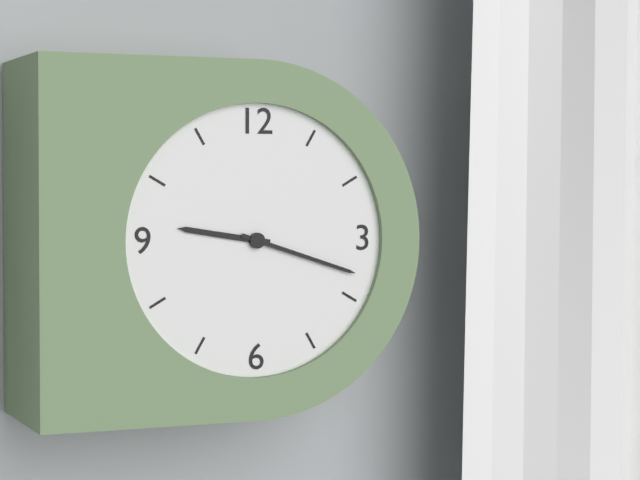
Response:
9h18
